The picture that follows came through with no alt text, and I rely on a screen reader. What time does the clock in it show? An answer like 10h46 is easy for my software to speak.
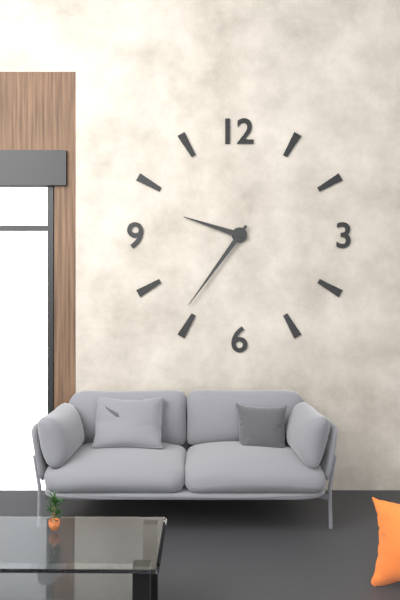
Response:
9h36
